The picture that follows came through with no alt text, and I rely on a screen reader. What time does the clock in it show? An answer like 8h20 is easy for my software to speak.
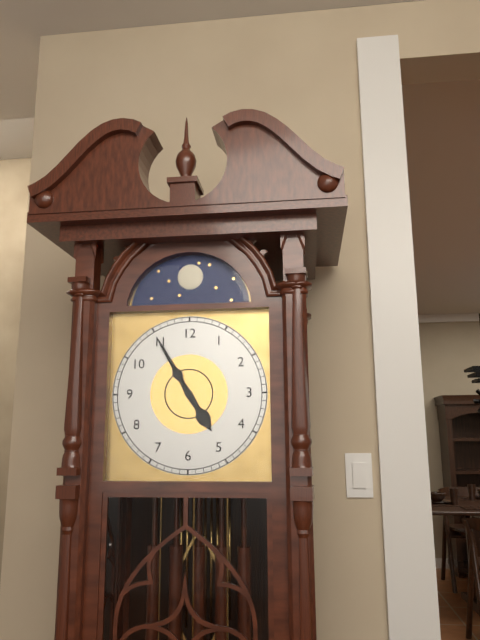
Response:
4h55
